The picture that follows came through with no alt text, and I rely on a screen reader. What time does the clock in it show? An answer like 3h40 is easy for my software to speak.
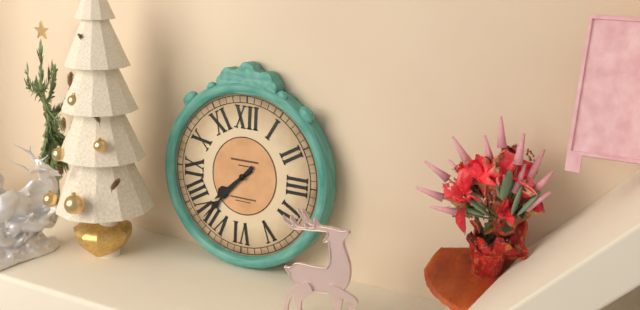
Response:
7h37
